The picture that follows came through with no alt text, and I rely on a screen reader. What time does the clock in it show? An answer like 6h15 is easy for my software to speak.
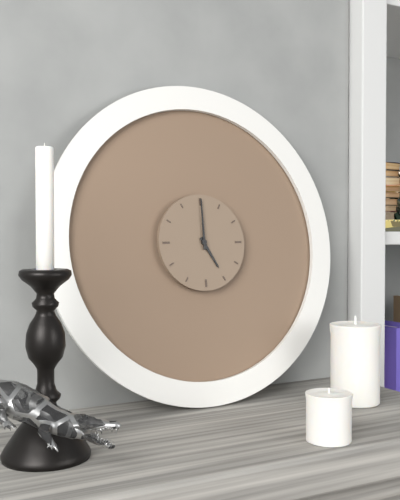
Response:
5h00
